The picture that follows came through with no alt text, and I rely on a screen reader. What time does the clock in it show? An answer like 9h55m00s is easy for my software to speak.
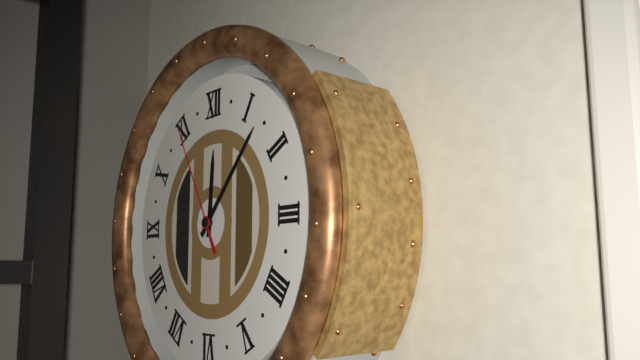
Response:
12h07m55s
